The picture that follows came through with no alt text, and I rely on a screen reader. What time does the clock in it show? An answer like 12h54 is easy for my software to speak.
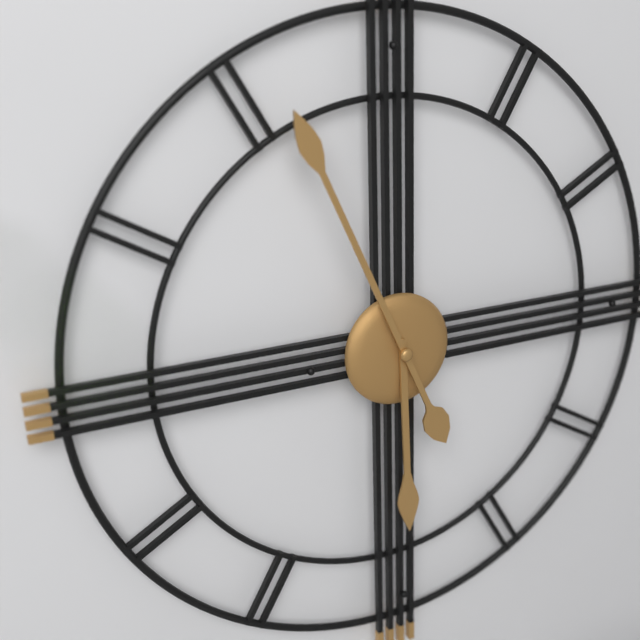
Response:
5h56
